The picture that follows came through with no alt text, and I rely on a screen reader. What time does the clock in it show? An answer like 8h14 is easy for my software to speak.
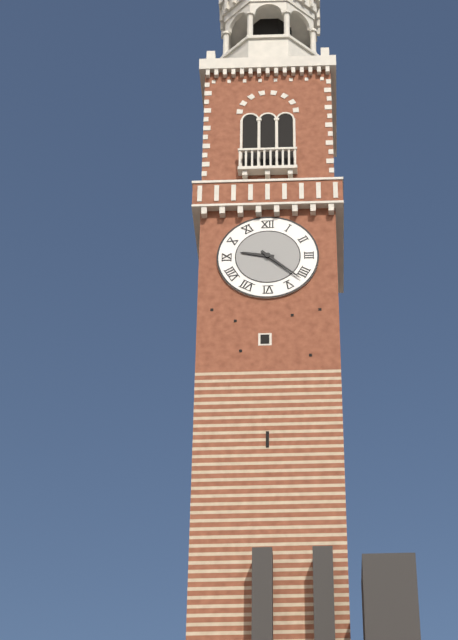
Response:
9h22
